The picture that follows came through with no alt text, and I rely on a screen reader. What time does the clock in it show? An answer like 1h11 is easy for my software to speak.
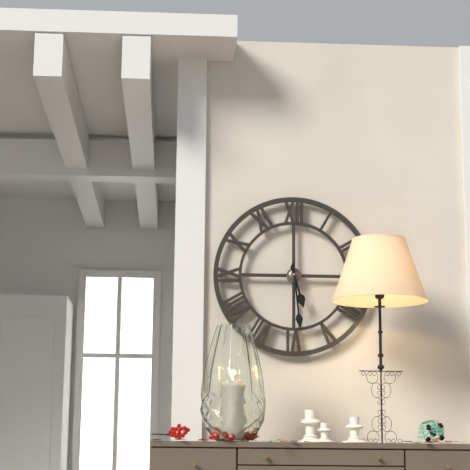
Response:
5h29
